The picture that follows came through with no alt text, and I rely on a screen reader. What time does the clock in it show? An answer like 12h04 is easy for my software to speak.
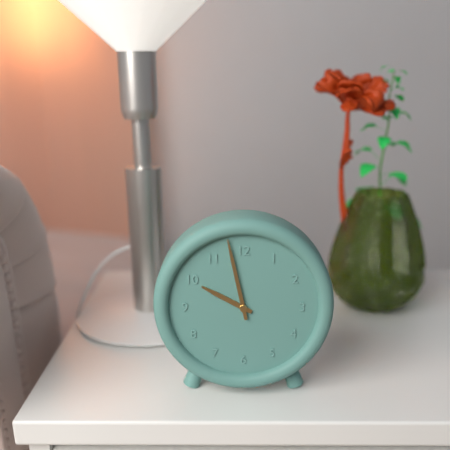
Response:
9h58
